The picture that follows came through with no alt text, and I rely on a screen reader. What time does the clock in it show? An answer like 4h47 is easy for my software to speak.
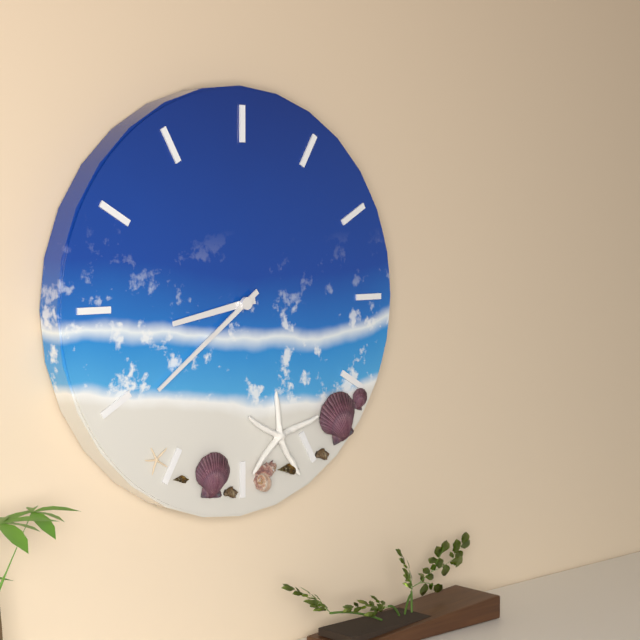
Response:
8h39
